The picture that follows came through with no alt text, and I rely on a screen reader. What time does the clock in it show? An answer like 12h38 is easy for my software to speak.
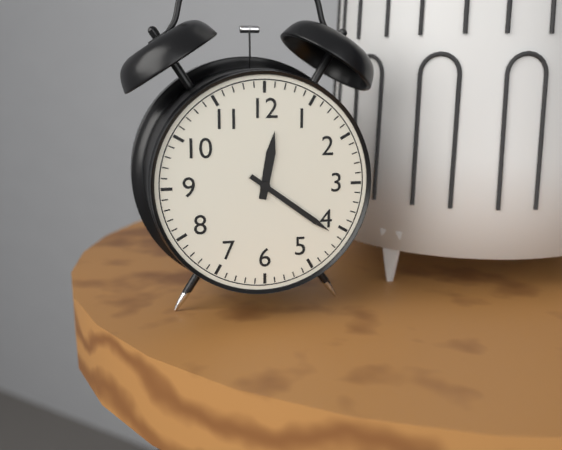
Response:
12h21
